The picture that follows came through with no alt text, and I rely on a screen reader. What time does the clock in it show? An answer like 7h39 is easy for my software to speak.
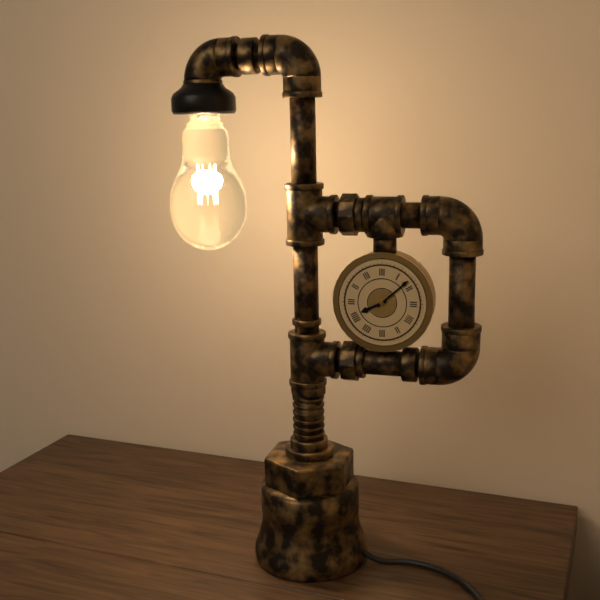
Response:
8h08
